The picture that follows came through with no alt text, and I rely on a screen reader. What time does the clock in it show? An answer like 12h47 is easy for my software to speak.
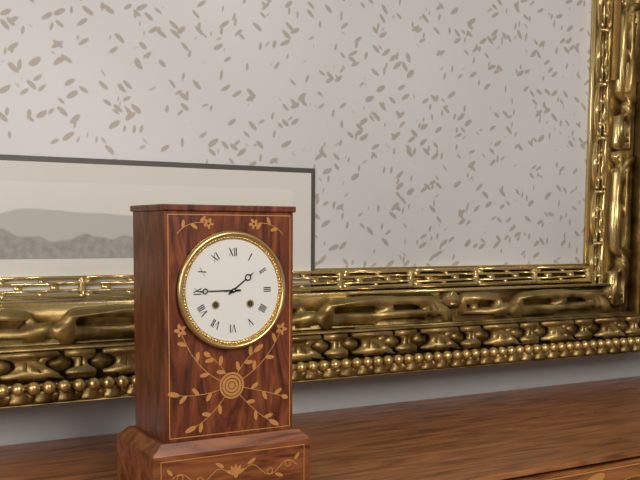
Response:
1h45
